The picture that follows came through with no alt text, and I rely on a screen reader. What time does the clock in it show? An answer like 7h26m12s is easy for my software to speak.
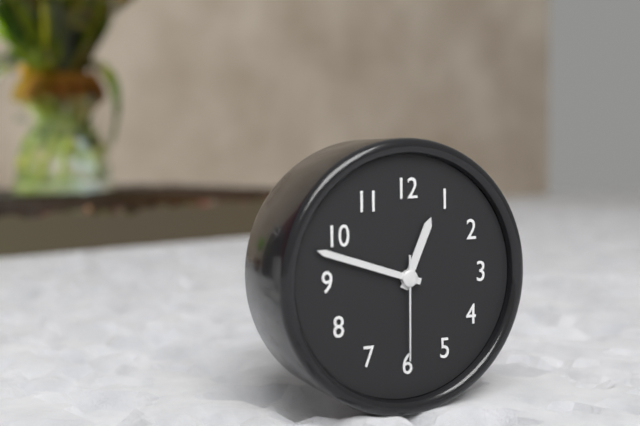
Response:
12h48m30s
